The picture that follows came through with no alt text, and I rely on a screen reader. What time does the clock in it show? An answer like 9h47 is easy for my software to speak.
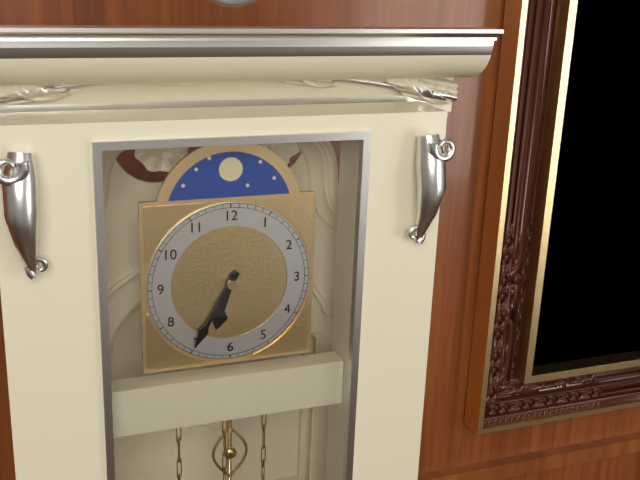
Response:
6h35
